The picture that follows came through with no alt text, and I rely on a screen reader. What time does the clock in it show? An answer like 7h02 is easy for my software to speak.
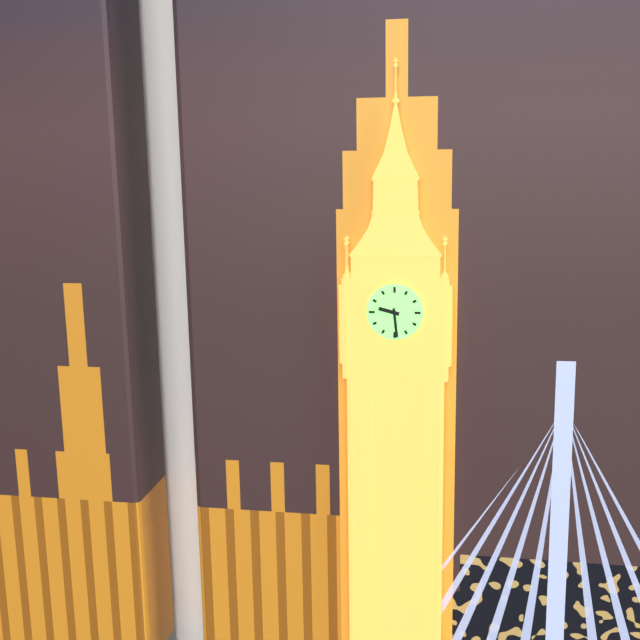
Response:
9h29
